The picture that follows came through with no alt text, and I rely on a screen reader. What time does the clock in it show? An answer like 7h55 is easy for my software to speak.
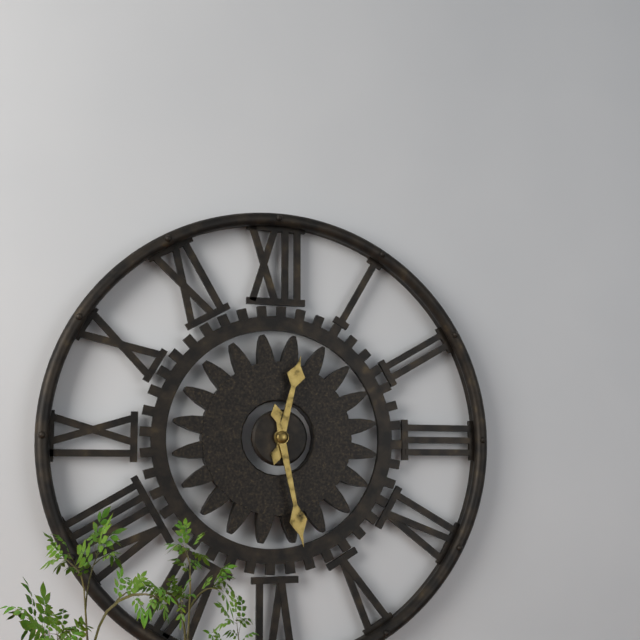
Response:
12h28
